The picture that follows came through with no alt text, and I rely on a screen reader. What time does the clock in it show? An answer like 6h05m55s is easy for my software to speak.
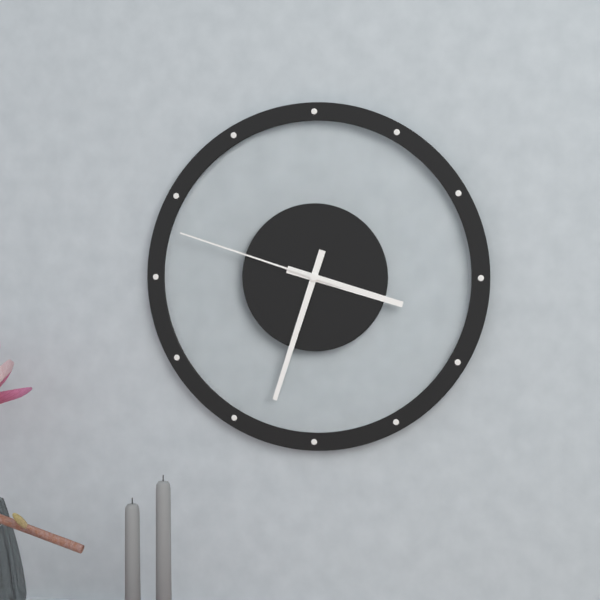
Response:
3h33m48s
